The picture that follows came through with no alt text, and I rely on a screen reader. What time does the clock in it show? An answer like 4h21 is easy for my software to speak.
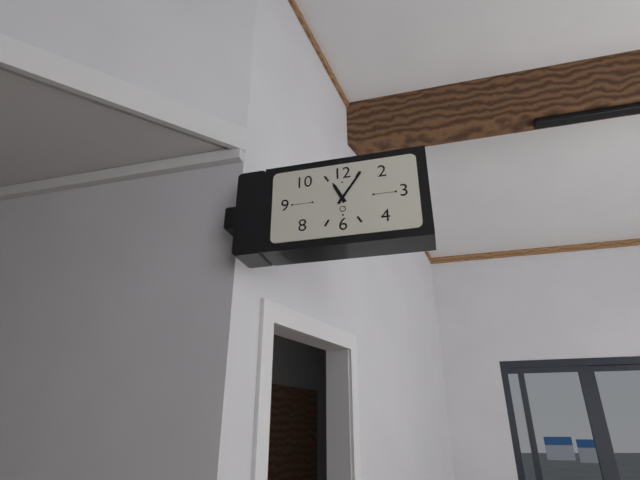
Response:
11h06
